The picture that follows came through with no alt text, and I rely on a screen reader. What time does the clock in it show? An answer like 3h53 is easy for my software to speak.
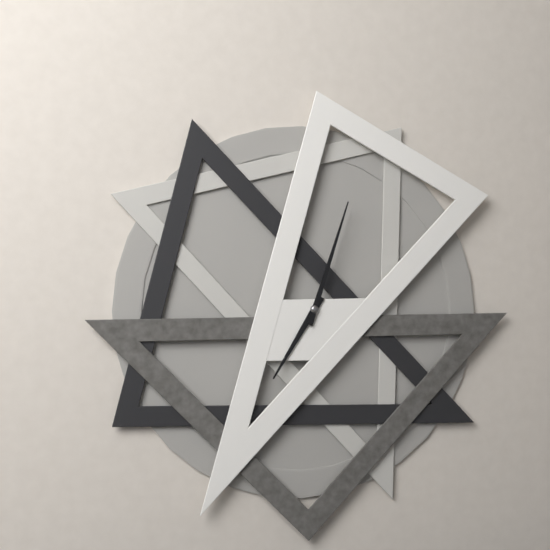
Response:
7h03
